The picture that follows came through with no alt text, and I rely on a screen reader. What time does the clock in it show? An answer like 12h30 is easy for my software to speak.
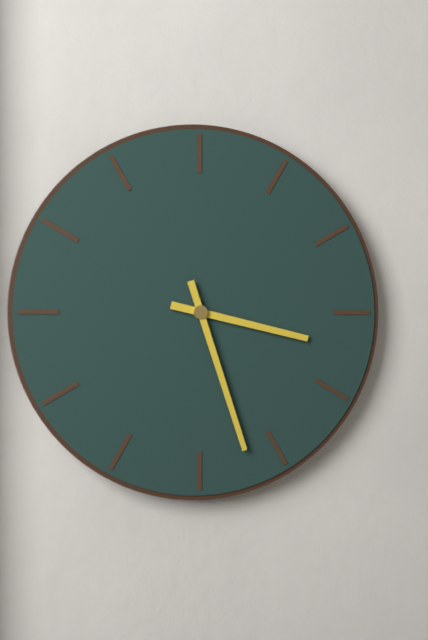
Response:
3h27
